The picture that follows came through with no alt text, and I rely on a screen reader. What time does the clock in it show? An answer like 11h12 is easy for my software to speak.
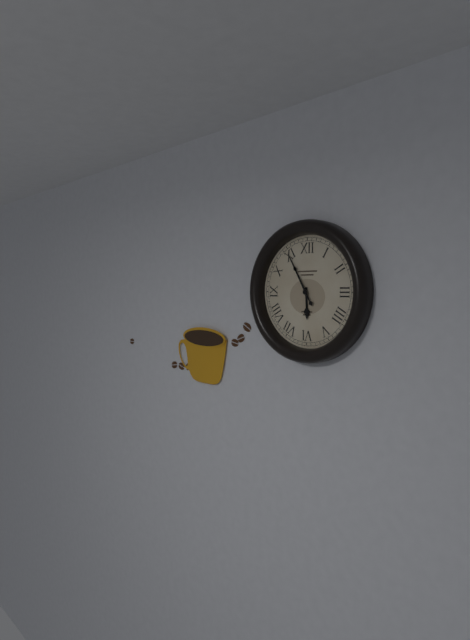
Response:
5h55
